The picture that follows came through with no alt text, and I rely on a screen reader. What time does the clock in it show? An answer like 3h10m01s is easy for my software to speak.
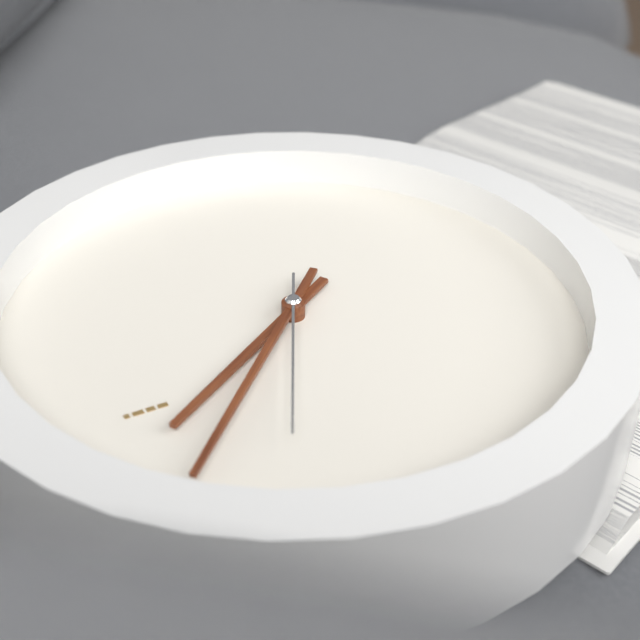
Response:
7h36m33s
